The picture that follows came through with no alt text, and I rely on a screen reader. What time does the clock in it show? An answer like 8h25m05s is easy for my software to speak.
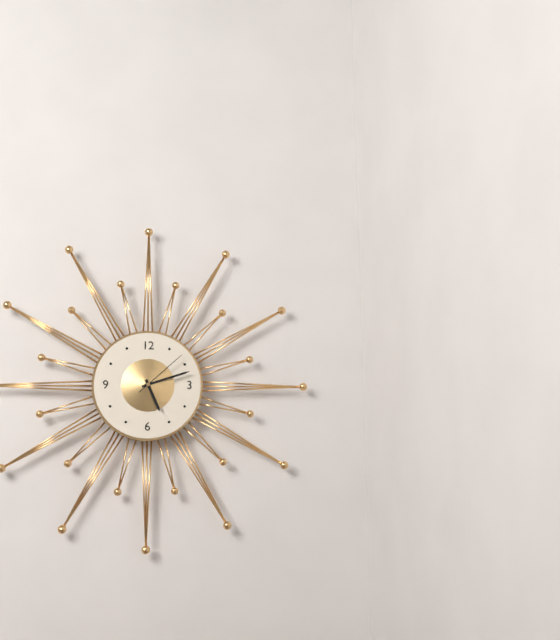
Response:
5h12m08s
